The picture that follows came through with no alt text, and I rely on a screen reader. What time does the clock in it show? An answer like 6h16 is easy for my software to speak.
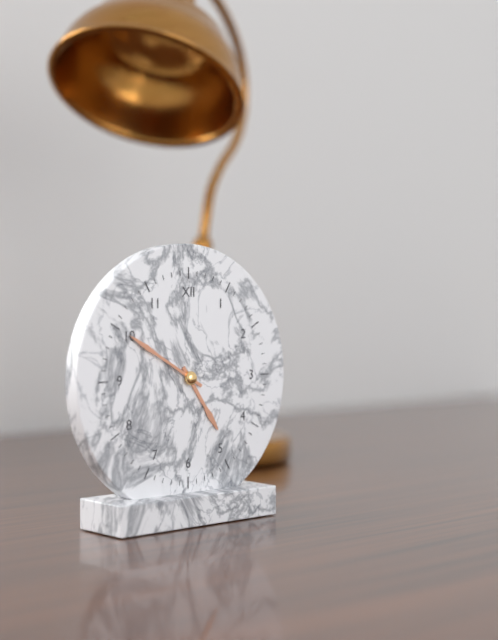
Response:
4h50
